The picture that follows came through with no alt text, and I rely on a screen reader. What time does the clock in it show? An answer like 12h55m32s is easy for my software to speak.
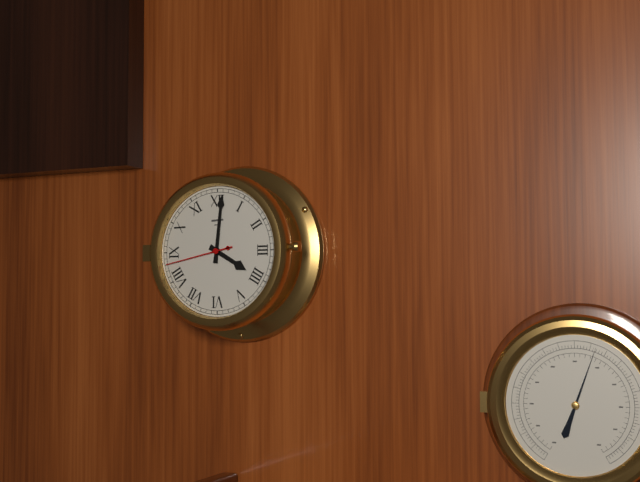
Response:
4h01m43s
